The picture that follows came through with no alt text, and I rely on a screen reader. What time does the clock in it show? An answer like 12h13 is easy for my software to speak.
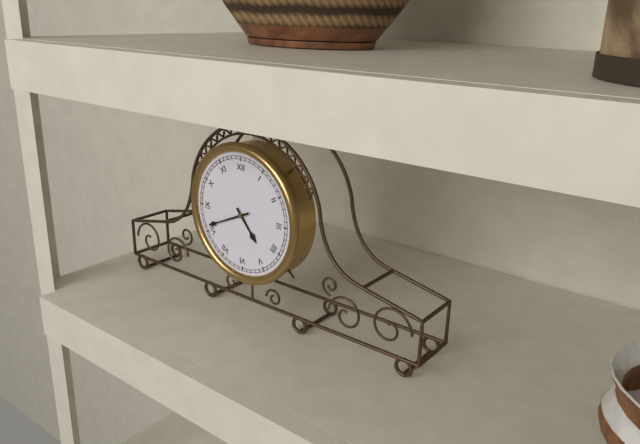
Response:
4h41
